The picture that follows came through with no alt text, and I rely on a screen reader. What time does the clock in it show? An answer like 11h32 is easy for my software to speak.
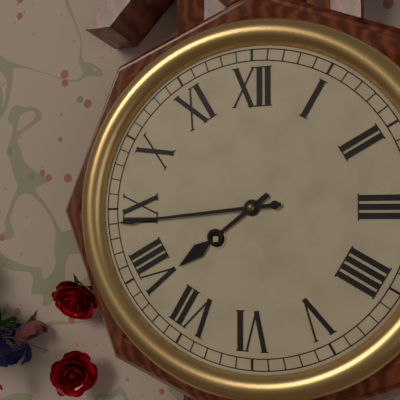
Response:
7h44
